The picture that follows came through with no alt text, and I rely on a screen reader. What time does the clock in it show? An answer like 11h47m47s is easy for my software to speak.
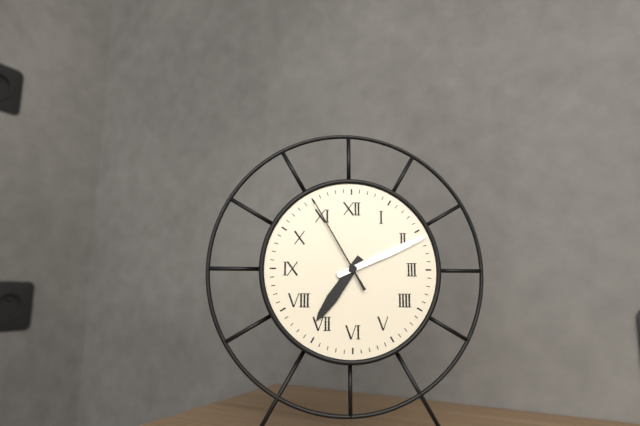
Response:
7h11m55s
